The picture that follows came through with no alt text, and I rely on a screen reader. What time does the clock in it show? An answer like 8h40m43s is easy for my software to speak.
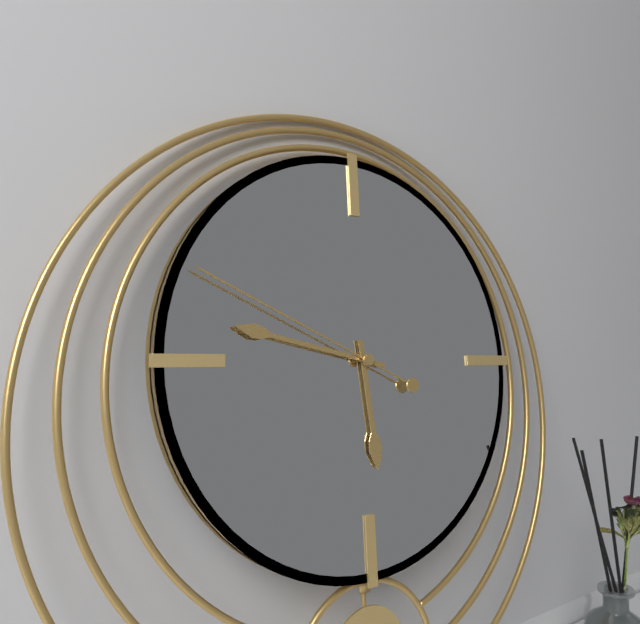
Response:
5h47m49s
